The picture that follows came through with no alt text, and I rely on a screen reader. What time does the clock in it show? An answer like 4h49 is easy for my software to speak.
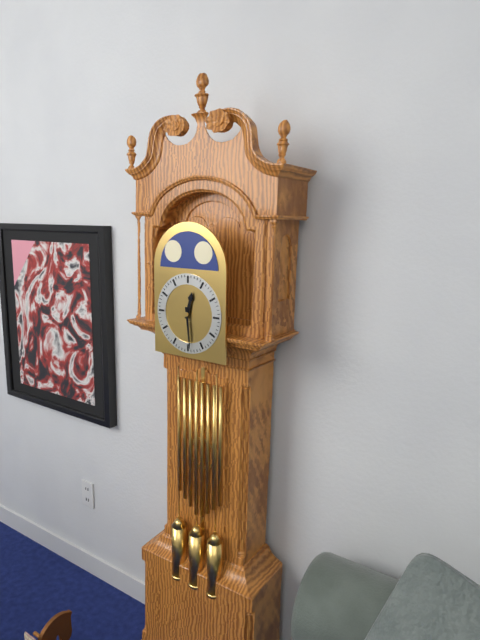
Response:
12h29
